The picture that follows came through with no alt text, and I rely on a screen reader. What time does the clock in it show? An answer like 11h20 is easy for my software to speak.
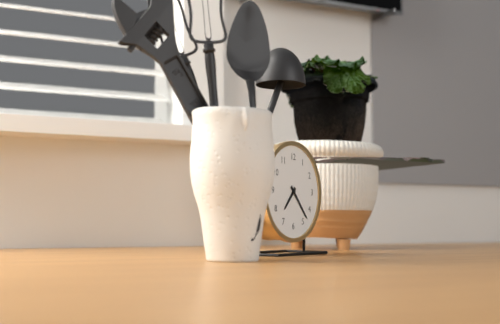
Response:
7h23
